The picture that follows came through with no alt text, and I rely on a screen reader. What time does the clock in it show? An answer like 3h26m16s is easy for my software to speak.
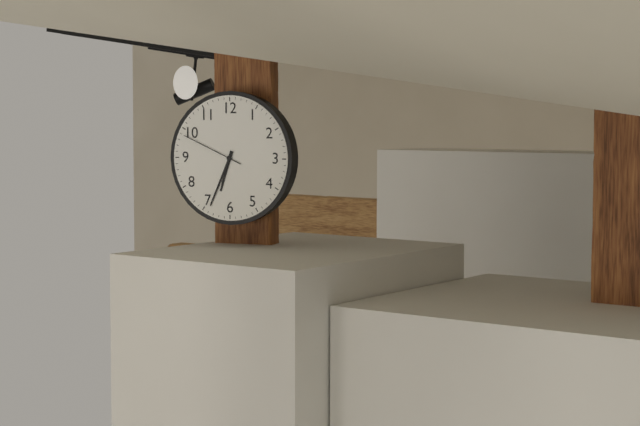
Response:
6h34m49s
